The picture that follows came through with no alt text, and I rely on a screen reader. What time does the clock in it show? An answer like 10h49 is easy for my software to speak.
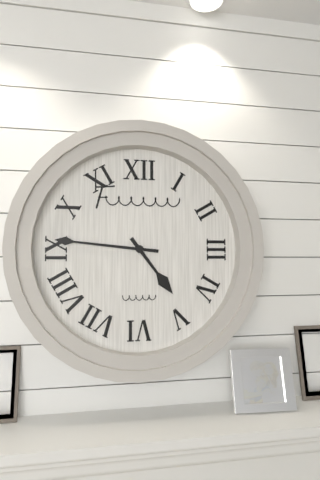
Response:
4h46
